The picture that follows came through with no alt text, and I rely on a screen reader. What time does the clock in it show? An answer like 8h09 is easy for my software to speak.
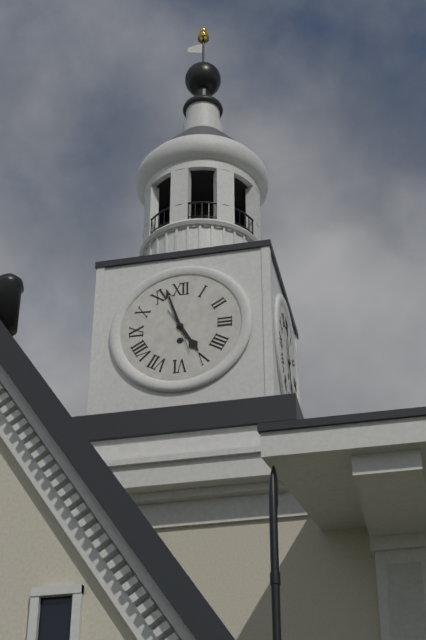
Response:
4h57
